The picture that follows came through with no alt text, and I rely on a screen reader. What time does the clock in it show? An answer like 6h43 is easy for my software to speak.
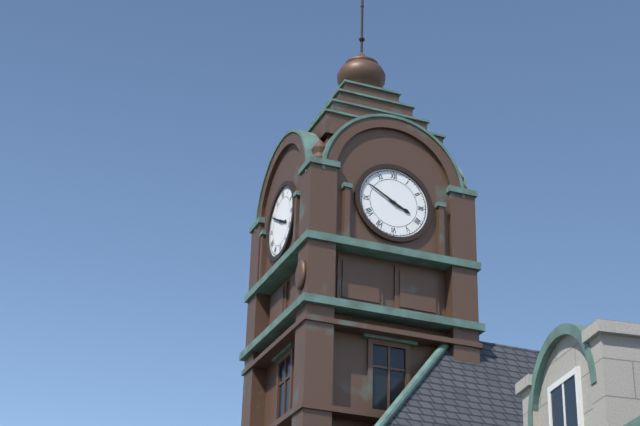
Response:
3h50
